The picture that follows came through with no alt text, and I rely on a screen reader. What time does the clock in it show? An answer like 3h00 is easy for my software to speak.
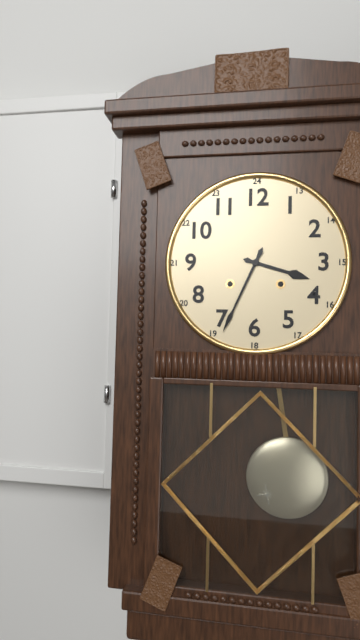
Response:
3h34
